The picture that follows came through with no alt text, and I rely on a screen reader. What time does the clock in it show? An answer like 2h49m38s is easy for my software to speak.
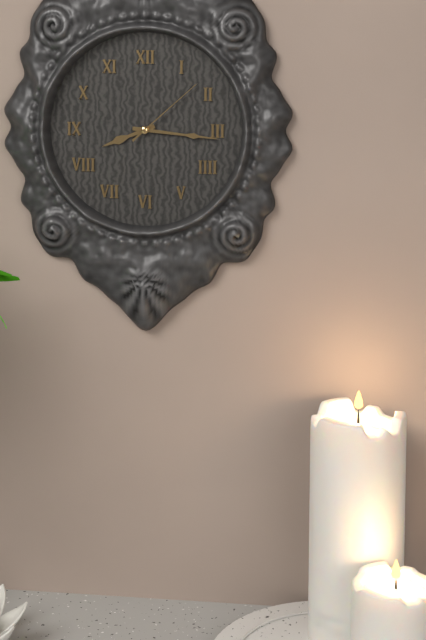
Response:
8h16m08s
